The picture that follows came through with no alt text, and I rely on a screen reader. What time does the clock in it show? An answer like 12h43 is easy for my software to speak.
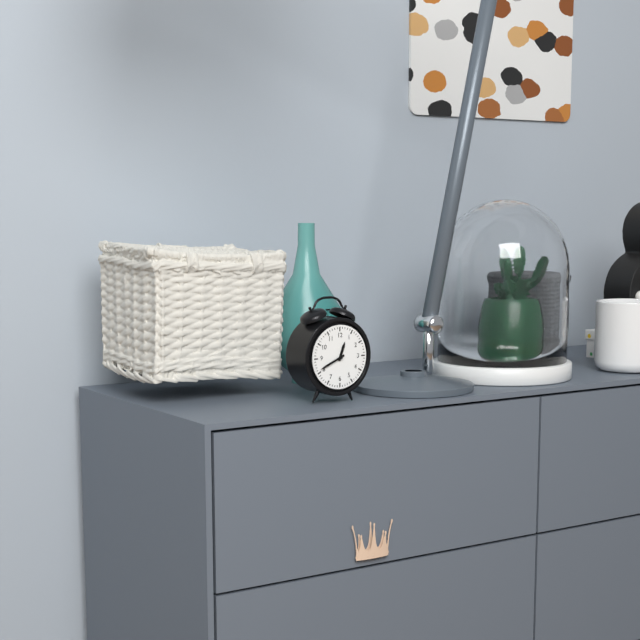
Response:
12h41
